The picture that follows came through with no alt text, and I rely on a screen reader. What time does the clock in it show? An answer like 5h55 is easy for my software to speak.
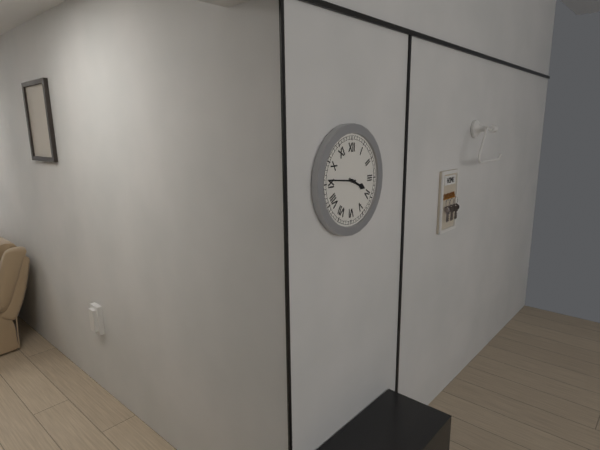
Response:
3h46
